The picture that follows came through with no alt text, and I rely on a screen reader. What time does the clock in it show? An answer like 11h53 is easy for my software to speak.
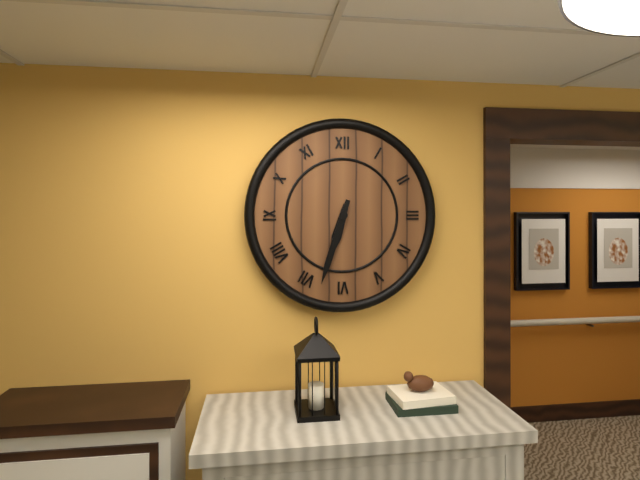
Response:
6h33
